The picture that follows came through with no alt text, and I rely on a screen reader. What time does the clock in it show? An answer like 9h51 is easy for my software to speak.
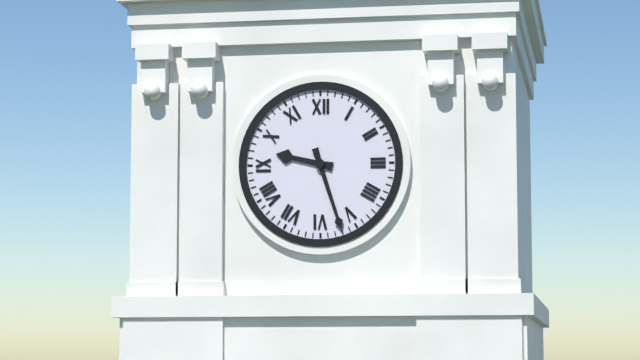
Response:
9h27
